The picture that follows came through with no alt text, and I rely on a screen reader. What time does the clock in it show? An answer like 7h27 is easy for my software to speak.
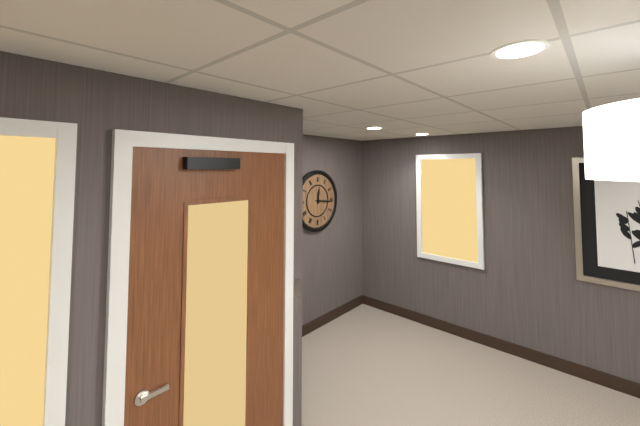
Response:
12h16
